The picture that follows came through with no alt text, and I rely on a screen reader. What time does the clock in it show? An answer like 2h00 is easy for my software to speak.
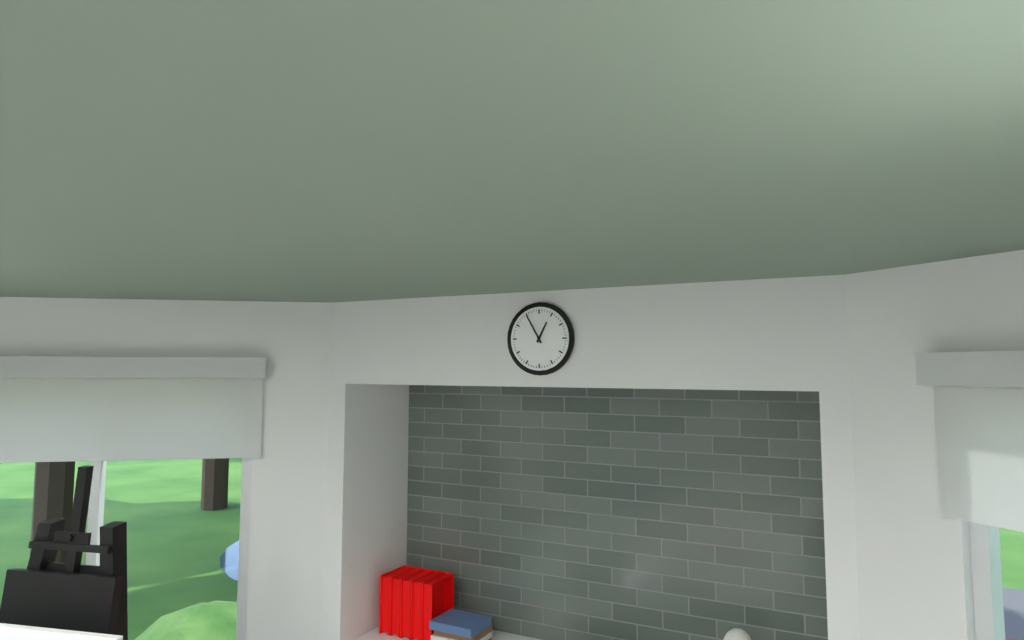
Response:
12h55
